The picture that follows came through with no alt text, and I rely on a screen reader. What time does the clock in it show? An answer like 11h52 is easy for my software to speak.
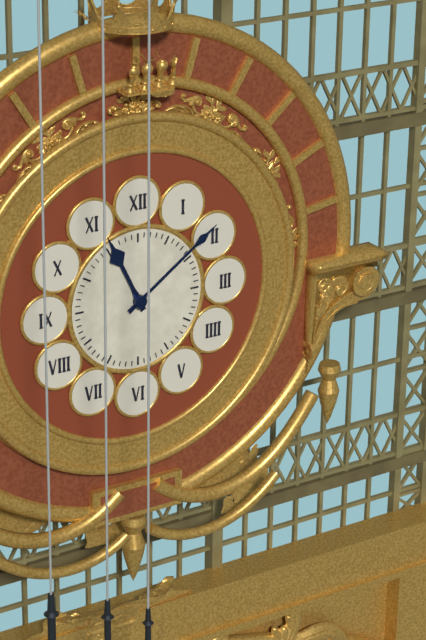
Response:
11h09
